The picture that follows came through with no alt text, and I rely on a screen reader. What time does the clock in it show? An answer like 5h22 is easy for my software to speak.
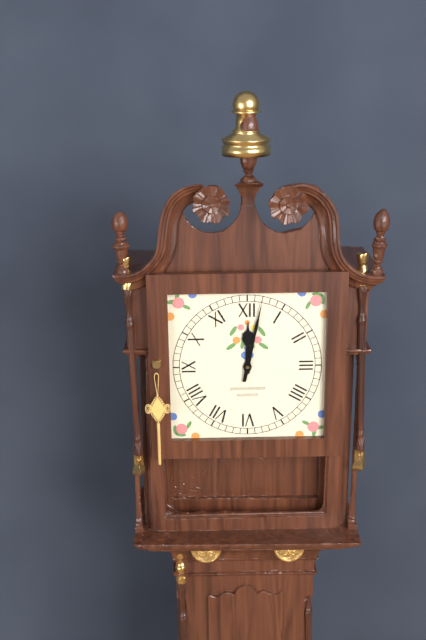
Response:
12h02
